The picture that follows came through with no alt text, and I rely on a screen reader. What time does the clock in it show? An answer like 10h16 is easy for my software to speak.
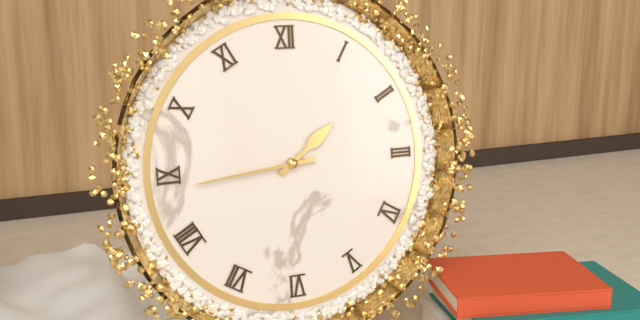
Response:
1h44
